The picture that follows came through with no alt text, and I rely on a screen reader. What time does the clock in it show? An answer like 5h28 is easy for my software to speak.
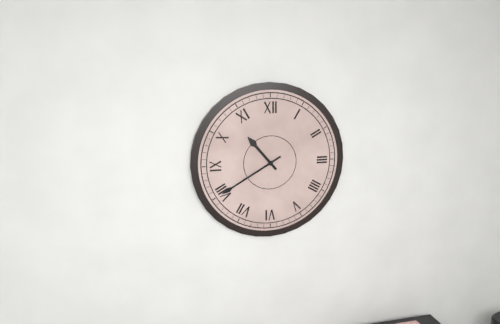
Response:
10h40
